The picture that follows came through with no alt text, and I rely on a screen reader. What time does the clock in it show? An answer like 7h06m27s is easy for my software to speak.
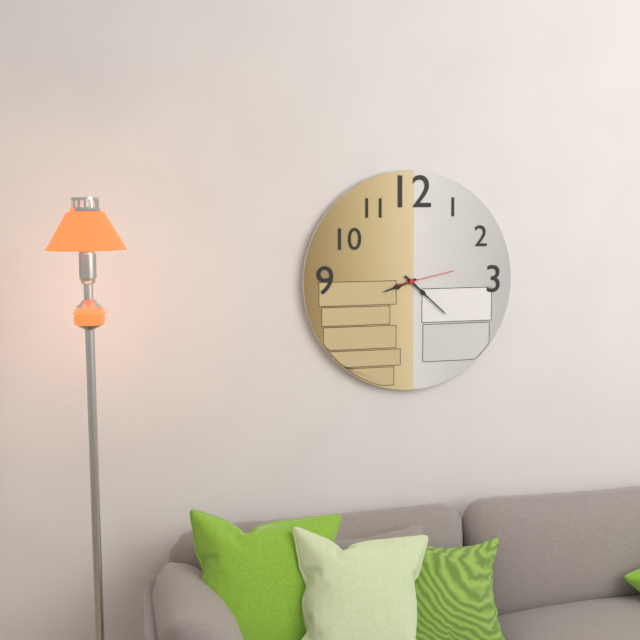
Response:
8h22m13s
